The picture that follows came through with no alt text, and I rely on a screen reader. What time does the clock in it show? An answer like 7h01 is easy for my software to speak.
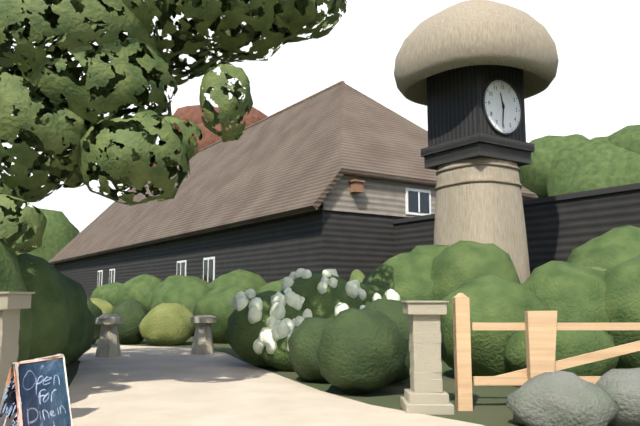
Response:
11h31
